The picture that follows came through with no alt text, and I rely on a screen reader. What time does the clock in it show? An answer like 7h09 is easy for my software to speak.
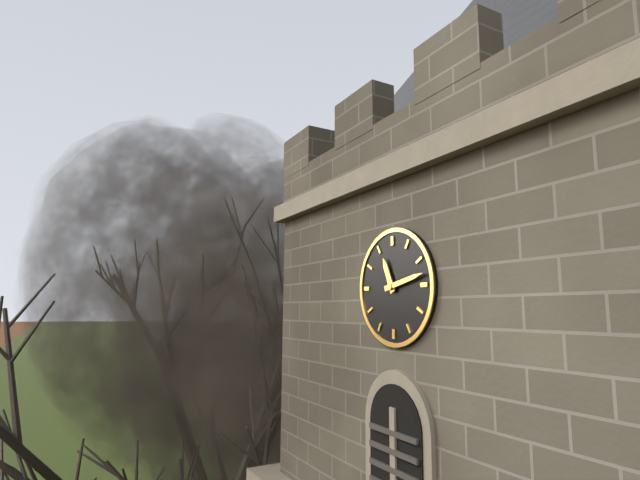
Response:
11h13
